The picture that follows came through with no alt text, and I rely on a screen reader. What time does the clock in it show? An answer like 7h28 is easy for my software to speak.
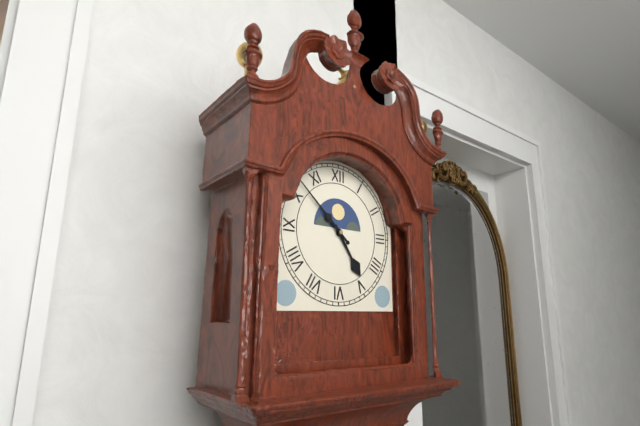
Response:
4h52
